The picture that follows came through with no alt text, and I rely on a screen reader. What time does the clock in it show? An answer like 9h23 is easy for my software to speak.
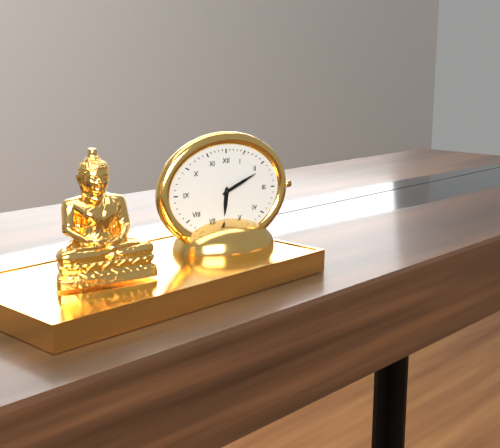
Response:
6h11
